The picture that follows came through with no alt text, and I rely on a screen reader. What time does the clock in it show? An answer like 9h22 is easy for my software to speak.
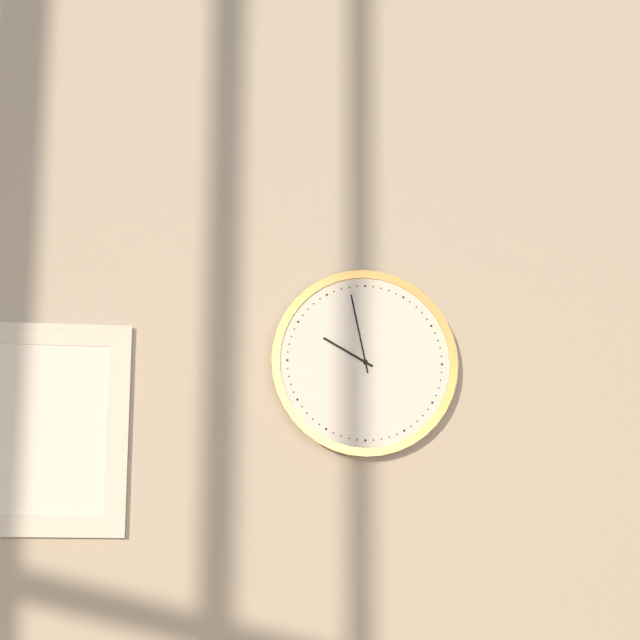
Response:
9h58
